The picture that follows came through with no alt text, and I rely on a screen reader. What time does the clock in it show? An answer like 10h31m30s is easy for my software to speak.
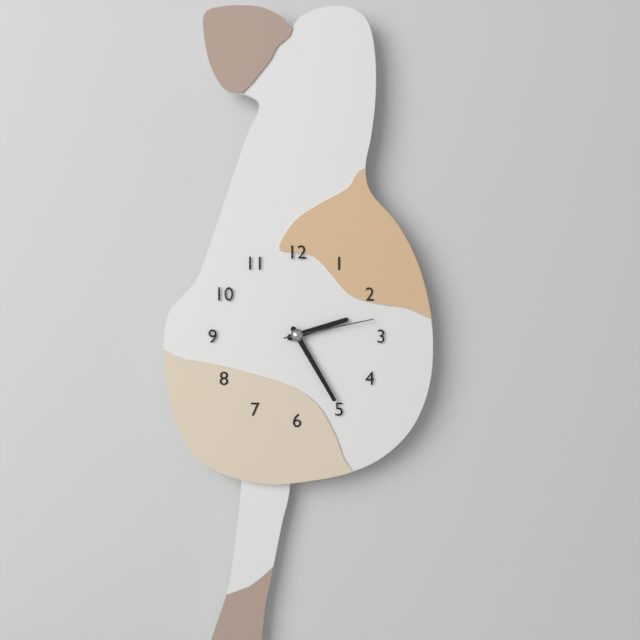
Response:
2h25m13s
